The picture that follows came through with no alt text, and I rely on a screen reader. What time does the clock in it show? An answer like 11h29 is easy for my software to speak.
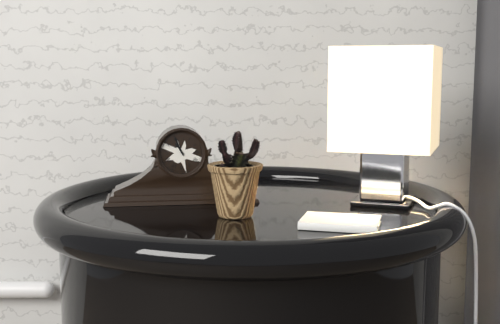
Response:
10h56
